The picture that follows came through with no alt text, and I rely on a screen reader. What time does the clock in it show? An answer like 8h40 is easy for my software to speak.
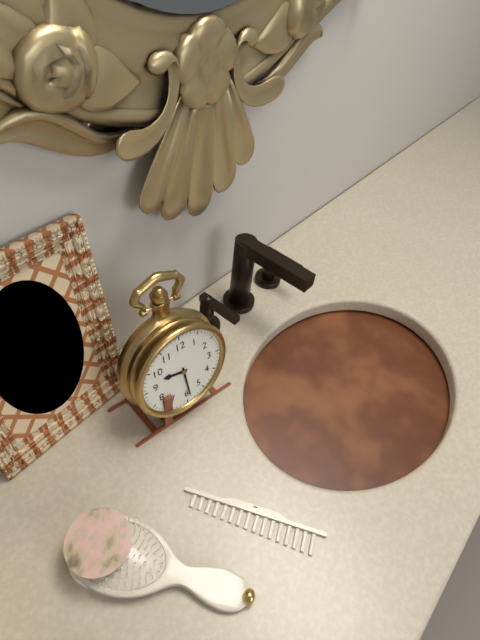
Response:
9h29
